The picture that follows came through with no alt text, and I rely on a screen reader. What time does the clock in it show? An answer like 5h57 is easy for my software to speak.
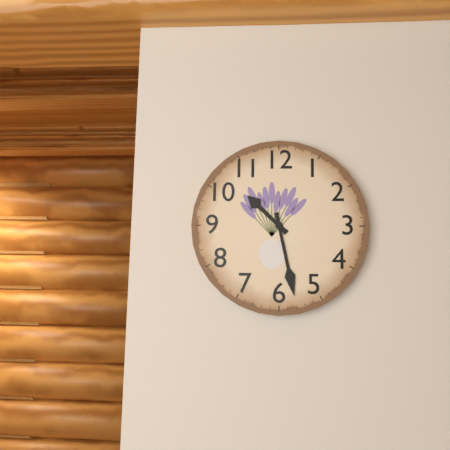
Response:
10h28
